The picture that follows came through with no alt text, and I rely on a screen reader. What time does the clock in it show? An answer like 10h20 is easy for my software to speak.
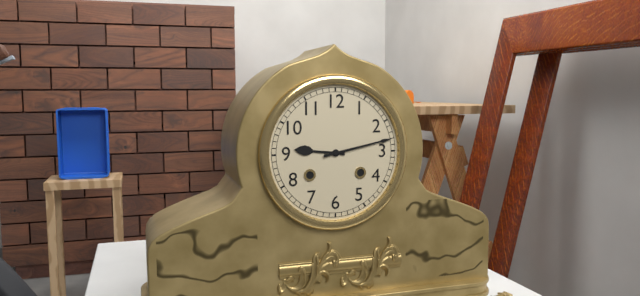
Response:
9h13
